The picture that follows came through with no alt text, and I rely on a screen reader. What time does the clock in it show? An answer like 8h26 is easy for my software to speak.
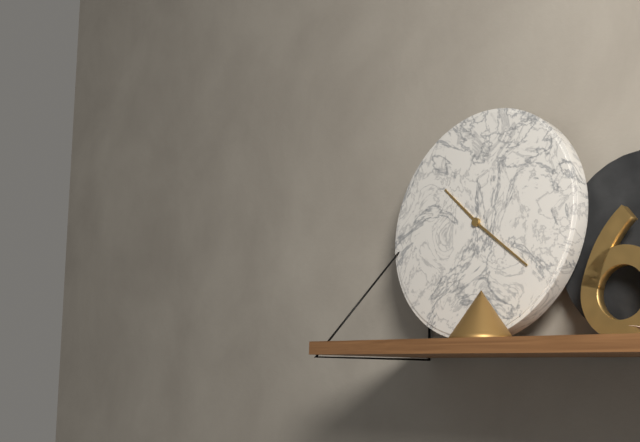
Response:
10h21
